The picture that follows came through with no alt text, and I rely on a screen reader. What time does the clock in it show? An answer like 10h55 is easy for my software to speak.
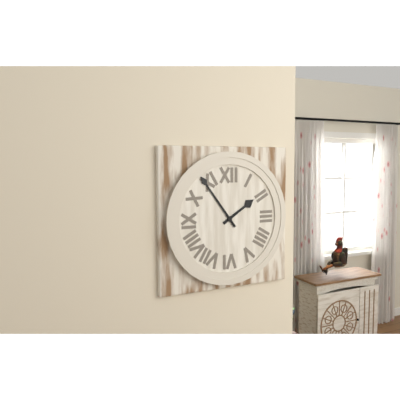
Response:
1h54
